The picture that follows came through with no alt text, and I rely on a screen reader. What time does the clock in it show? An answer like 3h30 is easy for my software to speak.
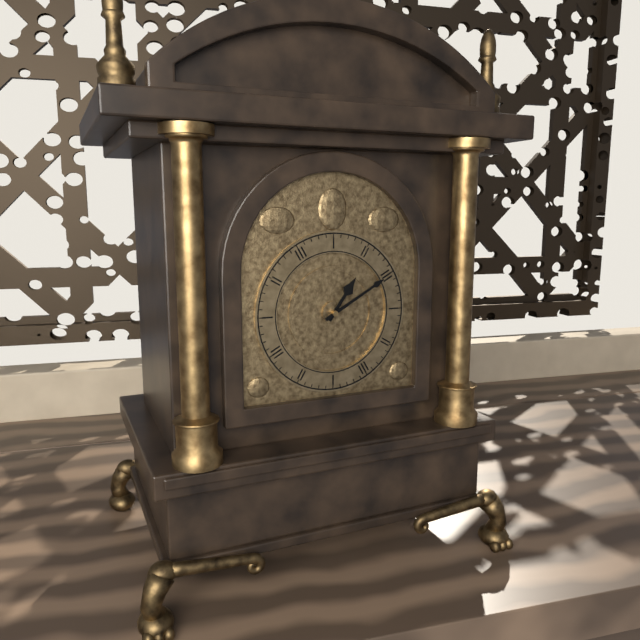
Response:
1h10
